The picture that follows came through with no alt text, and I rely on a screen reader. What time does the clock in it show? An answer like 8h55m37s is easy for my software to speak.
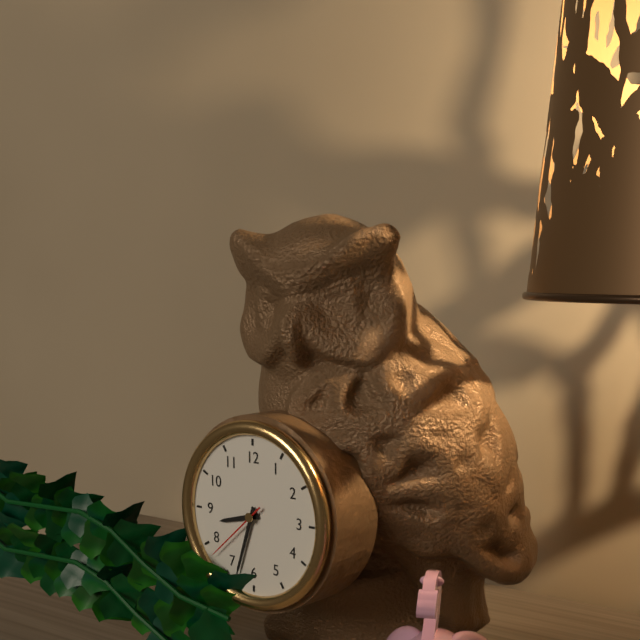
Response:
8h33m38s
